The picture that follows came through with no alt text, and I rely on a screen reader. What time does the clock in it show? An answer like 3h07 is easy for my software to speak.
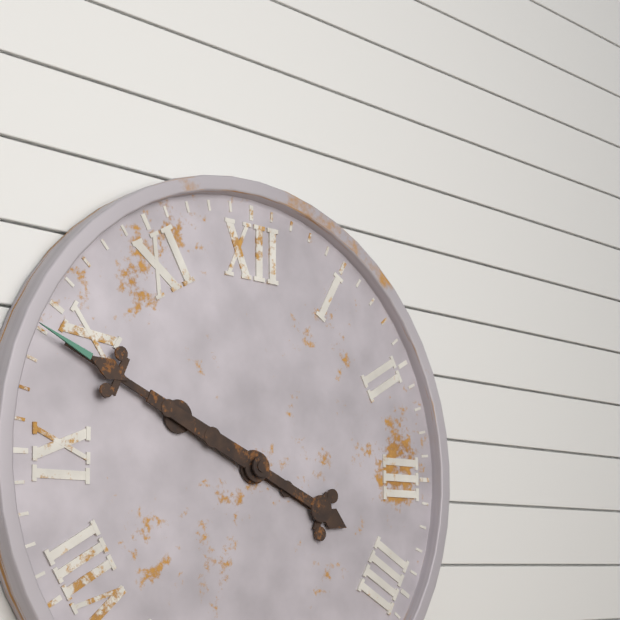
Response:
3h49
